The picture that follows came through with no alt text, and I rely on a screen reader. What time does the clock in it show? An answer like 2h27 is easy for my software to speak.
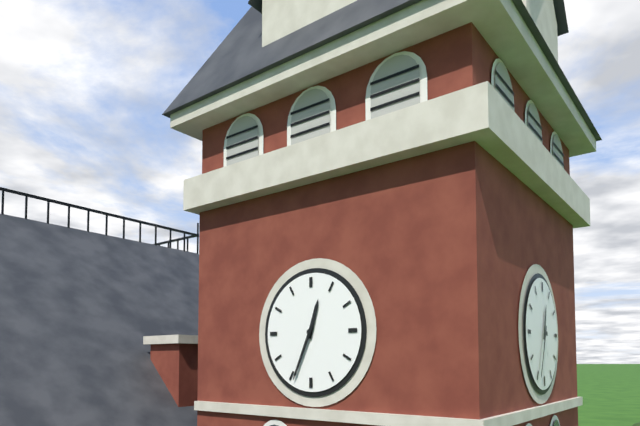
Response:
12h34
